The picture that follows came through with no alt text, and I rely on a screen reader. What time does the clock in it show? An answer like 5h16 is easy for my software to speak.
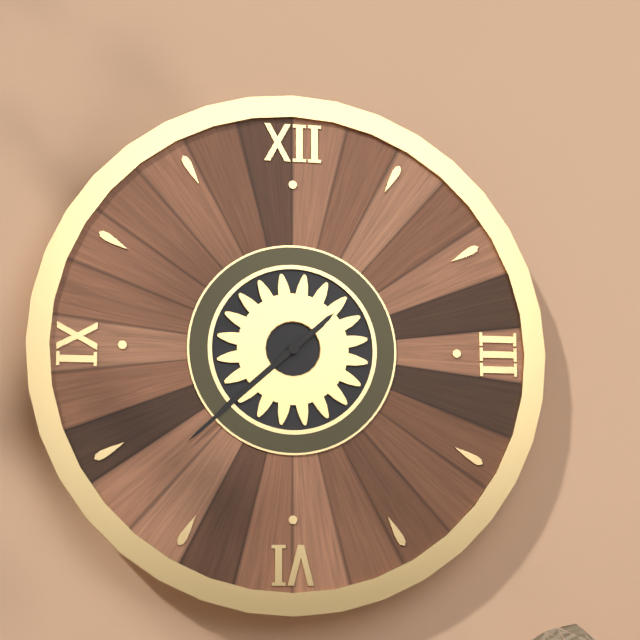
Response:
7h38
